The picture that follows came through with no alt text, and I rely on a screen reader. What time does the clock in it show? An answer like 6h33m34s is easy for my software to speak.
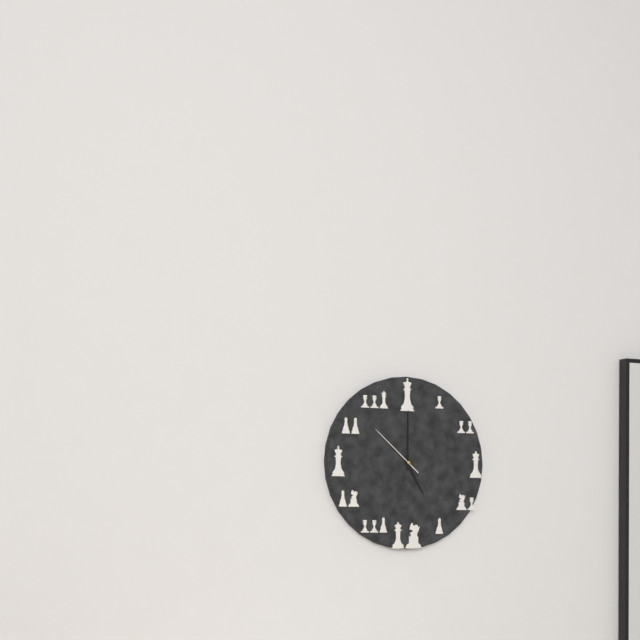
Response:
5h00m52s
